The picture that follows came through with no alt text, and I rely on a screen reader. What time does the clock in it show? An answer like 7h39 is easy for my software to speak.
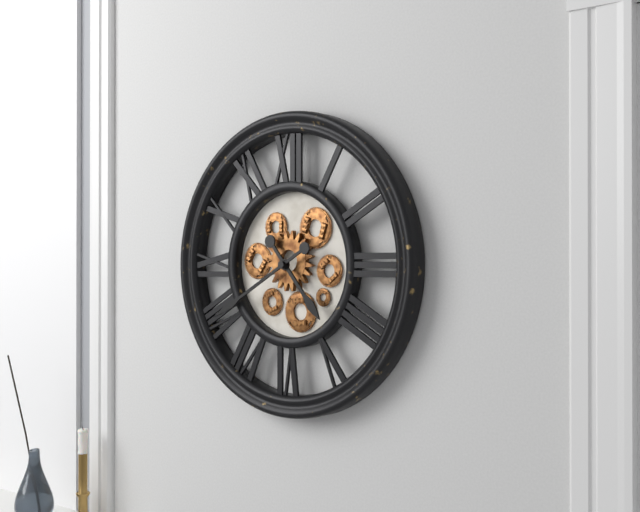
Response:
4h40
